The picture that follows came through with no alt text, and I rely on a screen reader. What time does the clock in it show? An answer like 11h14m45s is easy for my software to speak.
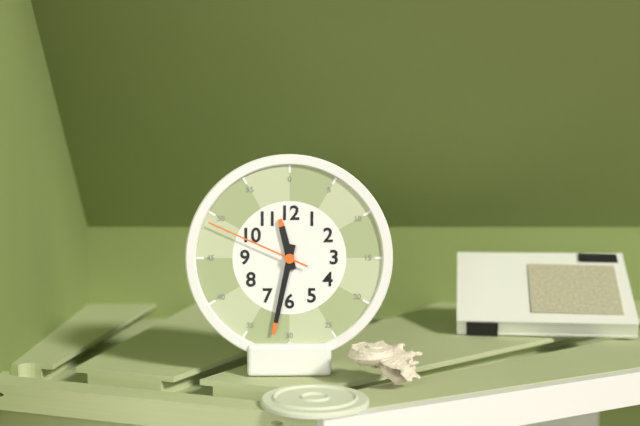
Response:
11h32m49s
